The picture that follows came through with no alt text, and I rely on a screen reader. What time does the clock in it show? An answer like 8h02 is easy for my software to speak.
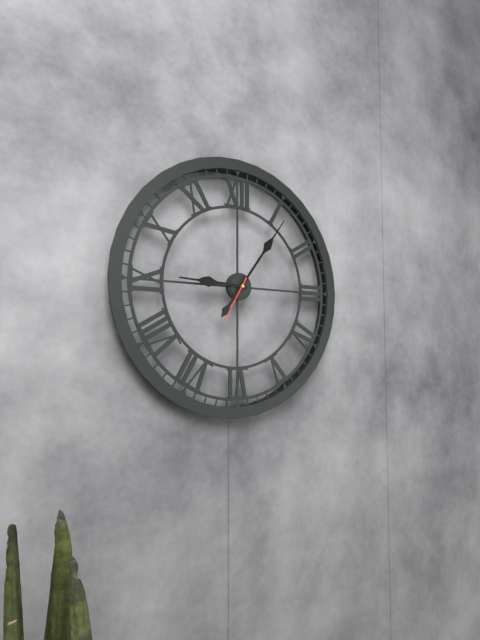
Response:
9h06
